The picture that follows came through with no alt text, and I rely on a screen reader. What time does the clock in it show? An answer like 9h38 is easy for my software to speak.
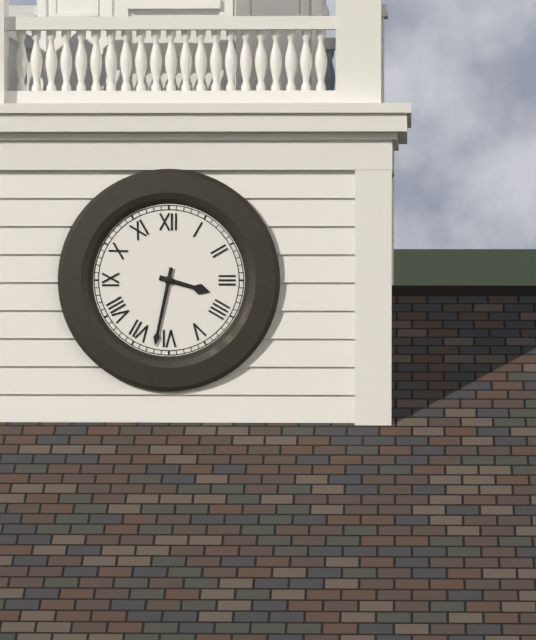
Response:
3h32
